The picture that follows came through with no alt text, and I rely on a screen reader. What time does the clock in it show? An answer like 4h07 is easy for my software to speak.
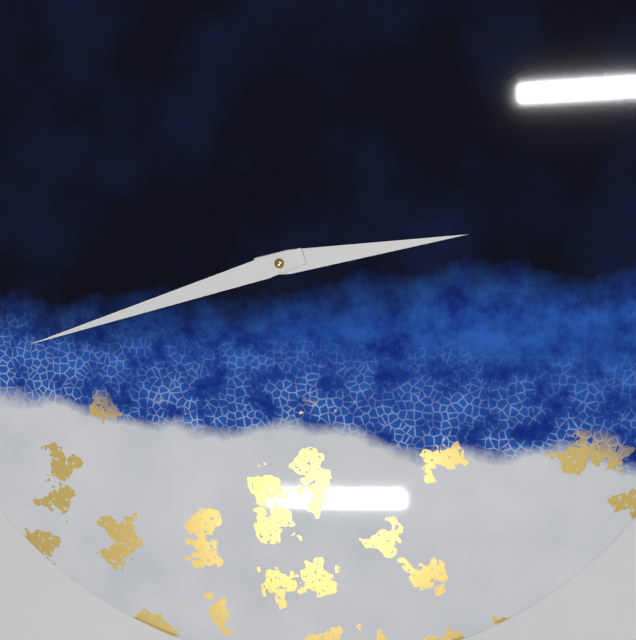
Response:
2h42
